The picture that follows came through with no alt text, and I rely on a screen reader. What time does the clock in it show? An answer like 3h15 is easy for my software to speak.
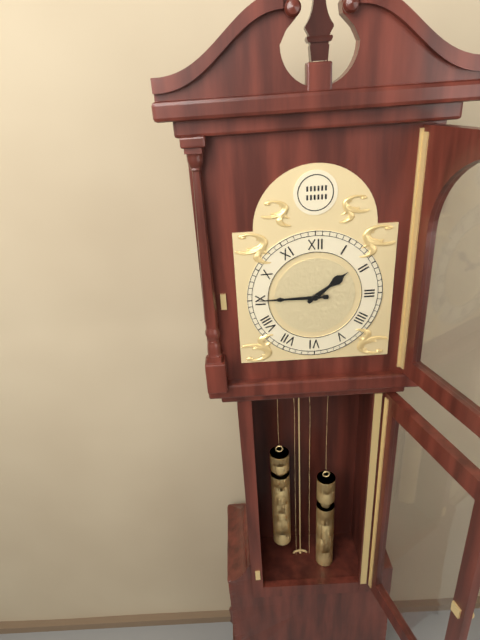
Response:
1h45
